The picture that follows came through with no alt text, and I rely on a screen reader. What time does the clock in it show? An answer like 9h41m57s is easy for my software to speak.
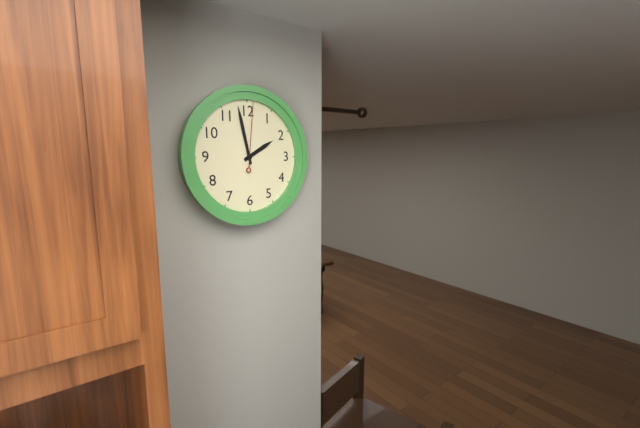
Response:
1h58m01s
